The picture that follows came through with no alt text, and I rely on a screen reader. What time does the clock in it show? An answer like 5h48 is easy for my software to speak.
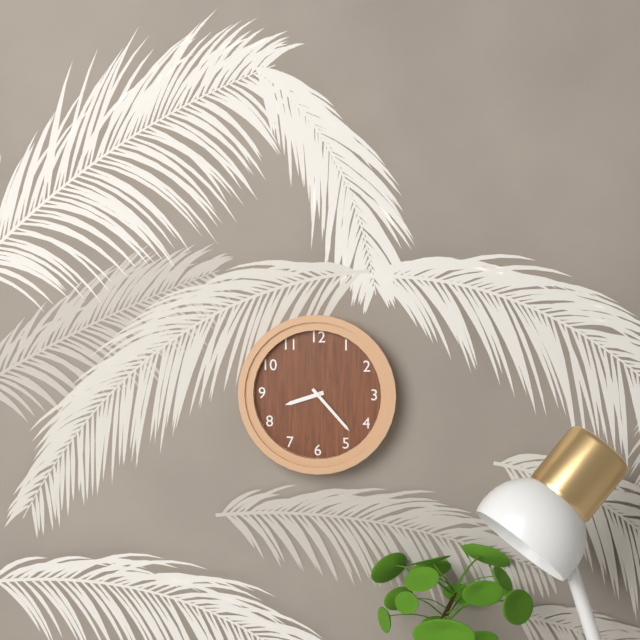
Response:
8h23
